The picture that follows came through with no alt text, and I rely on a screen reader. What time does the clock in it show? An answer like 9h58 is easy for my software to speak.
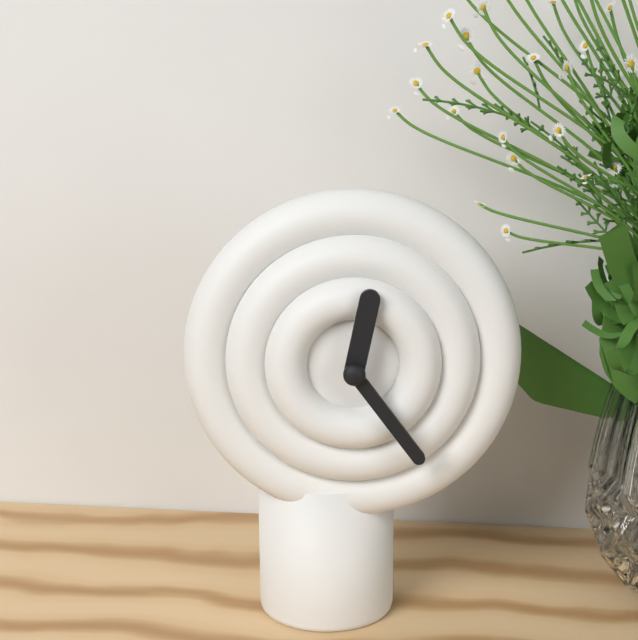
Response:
12h24
